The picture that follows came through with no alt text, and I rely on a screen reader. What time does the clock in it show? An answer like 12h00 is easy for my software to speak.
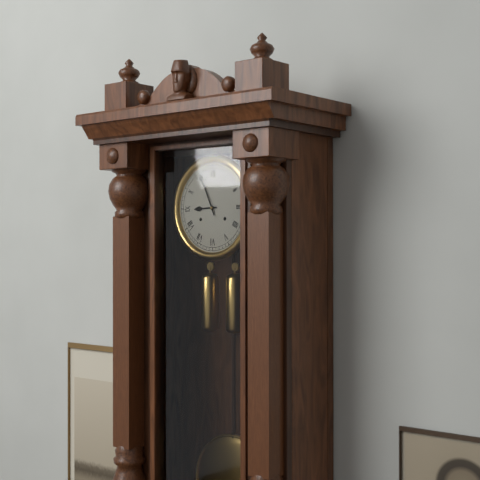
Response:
8h56
